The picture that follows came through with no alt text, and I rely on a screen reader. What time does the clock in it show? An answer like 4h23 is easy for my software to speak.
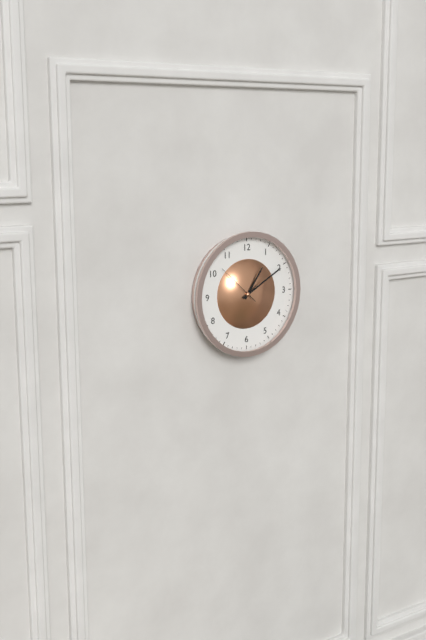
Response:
1h10
